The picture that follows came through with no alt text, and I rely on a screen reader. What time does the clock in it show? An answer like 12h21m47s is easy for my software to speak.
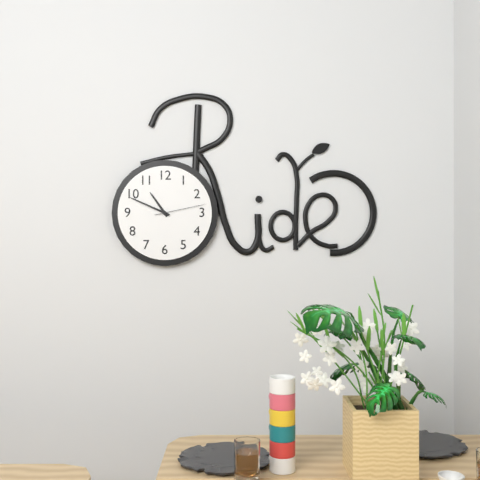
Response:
10h49m13s
